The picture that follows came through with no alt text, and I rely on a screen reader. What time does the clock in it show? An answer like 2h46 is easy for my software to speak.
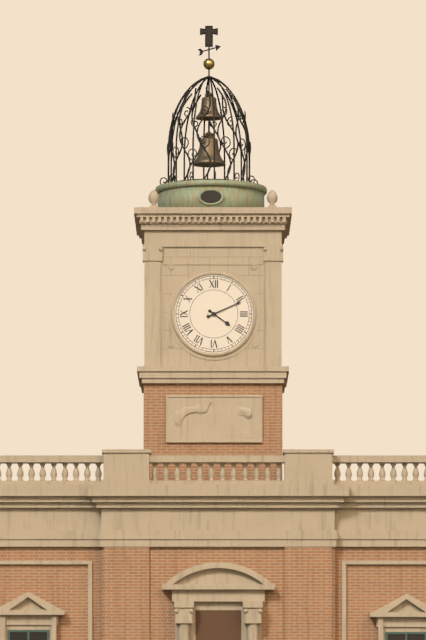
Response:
4h11
